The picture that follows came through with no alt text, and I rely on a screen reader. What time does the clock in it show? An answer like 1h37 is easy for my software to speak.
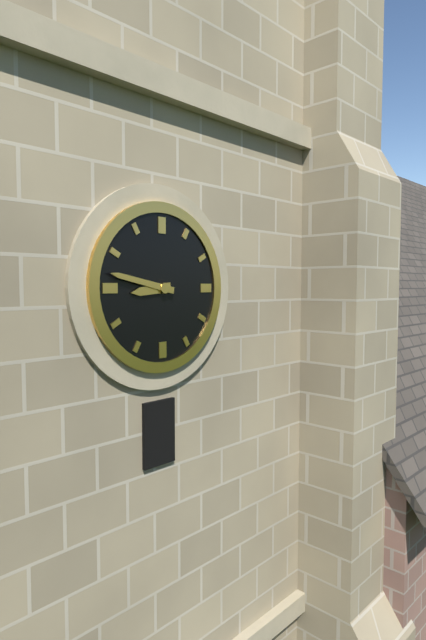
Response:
8h47
